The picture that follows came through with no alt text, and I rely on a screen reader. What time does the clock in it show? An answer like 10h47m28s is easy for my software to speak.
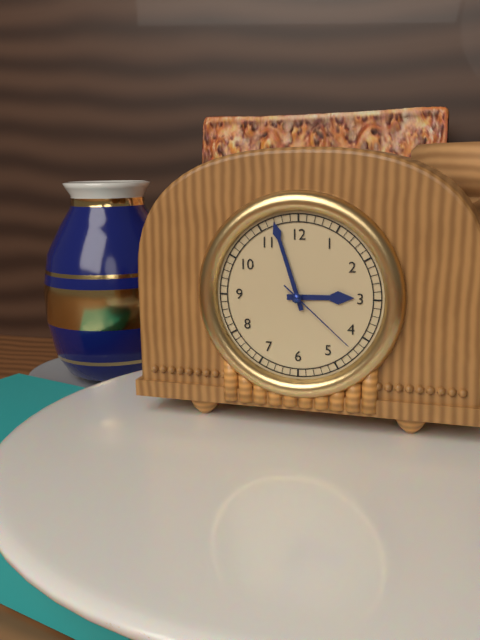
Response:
2h57m22s
